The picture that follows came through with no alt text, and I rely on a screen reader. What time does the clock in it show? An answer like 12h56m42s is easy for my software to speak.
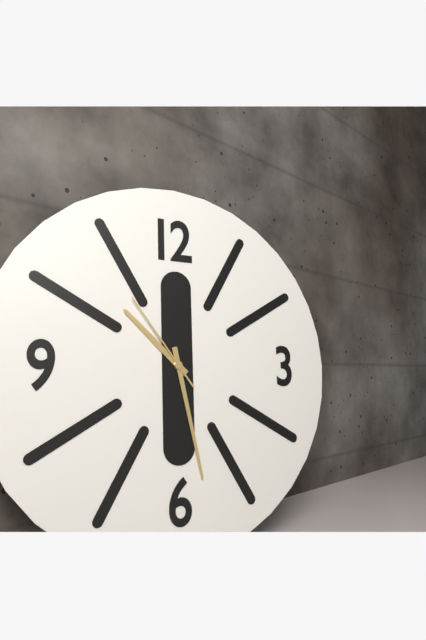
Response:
10h28m54s
